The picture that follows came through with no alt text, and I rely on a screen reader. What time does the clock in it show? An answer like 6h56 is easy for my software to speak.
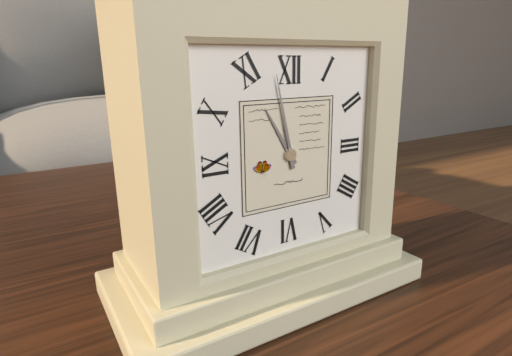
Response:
10h58
